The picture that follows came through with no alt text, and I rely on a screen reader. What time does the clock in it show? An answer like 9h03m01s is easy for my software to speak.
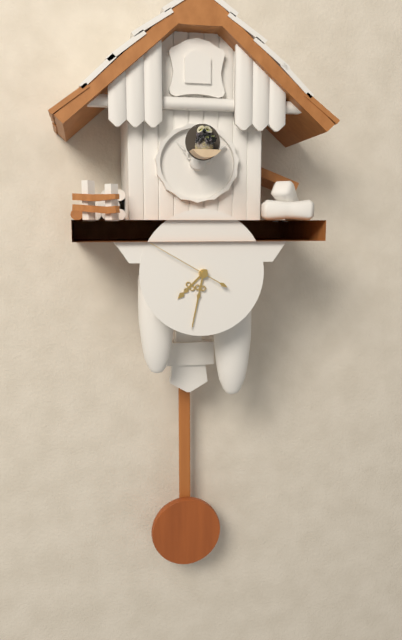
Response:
7h32m50s
